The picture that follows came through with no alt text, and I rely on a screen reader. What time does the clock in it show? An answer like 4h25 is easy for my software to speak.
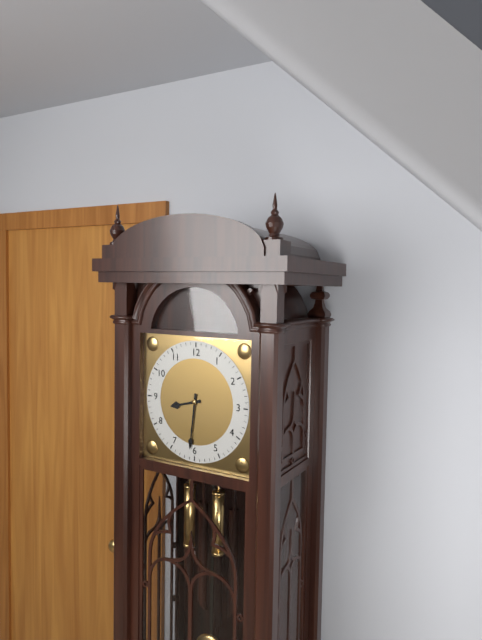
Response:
8h31
